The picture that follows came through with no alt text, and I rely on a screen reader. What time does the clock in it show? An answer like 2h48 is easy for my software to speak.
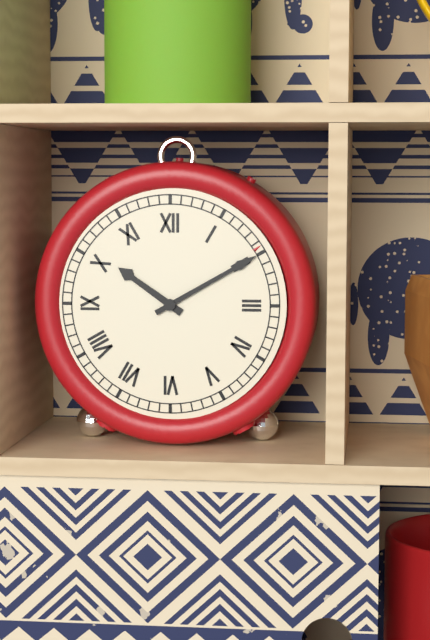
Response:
10h10
